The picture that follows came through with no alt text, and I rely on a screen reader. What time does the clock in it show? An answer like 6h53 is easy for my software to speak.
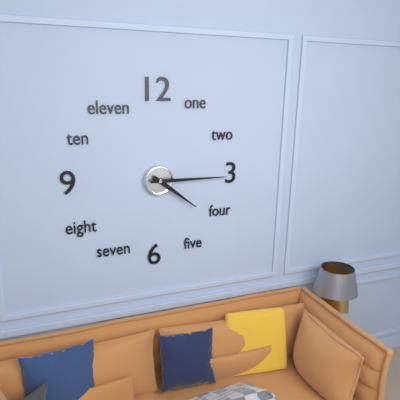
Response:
4h15
